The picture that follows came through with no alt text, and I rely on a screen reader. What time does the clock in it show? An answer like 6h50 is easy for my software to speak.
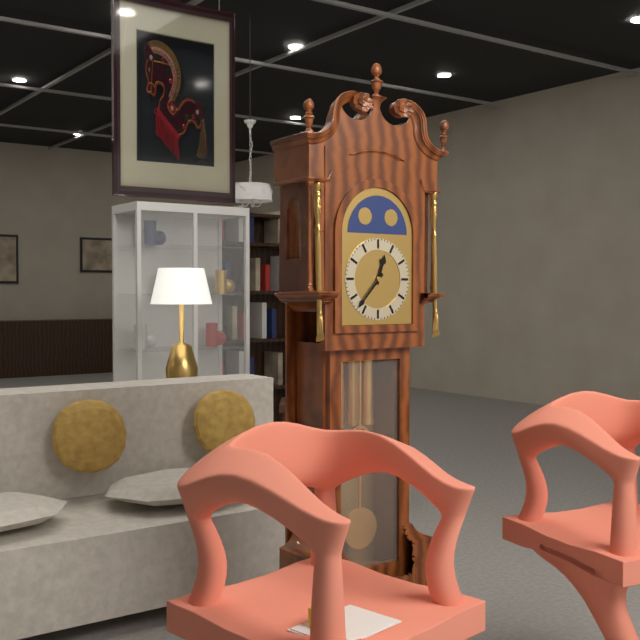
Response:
12h37
